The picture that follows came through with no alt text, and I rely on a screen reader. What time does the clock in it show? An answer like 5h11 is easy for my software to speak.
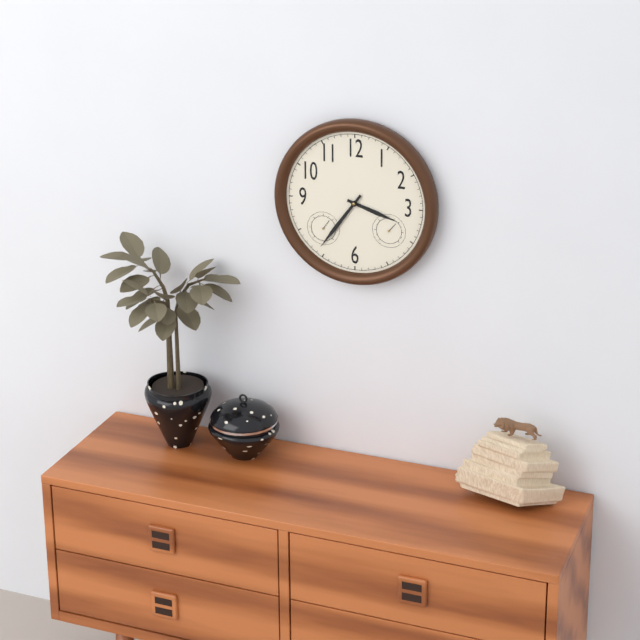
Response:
3h36
